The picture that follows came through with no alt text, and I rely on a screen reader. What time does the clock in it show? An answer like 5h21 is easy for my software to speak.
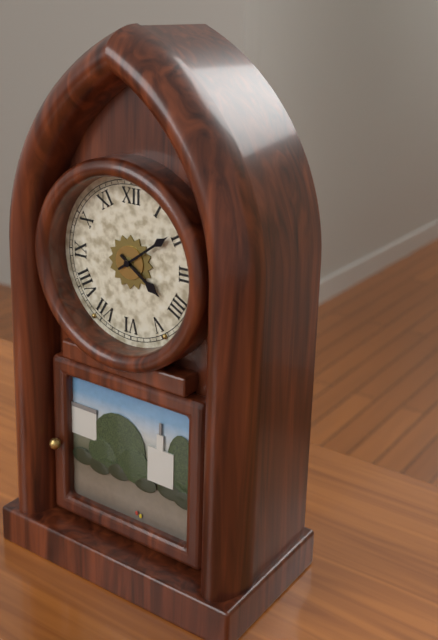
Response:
4h09
